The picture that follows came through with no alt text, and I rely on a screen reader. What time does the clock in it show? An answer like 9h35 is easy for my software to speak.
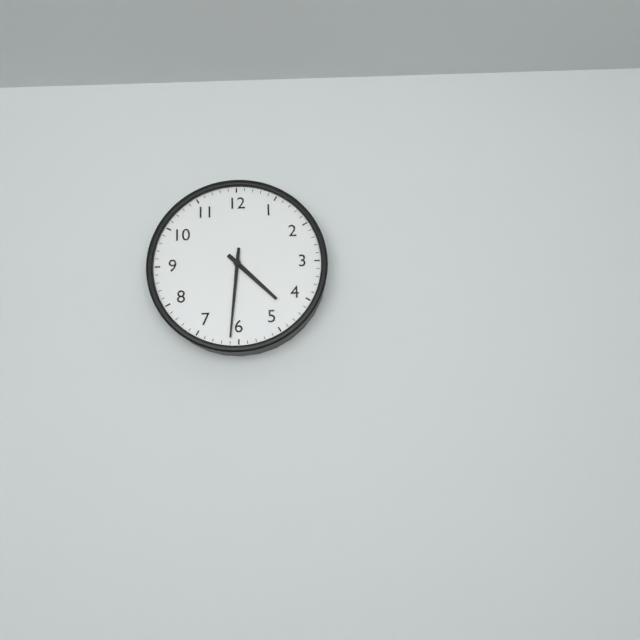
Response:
4h31
